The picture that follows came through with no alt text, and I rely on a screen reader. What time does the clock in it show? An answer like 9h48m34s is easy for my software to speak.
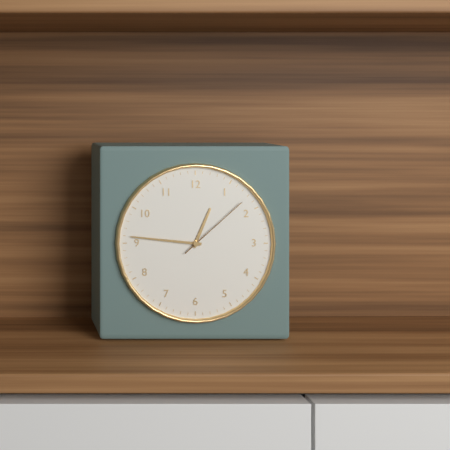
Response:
12h46m08s
